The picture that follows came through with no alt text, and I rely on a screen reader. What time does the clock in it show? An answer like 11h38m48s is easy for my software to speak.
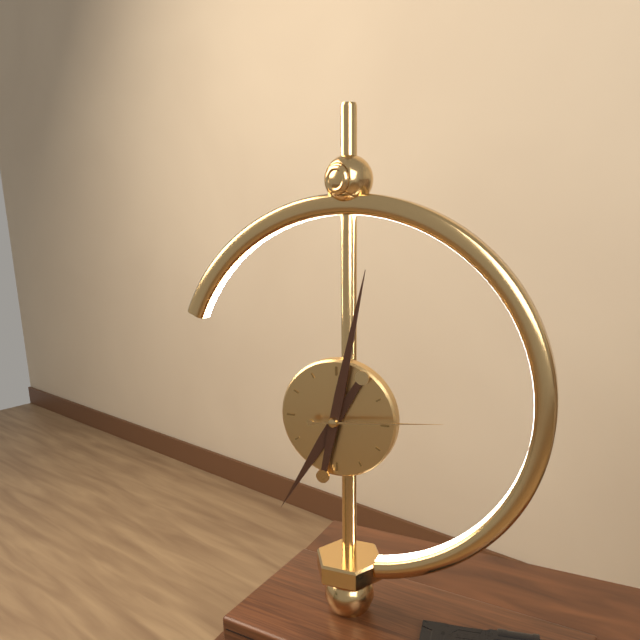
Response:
7h02m14s
